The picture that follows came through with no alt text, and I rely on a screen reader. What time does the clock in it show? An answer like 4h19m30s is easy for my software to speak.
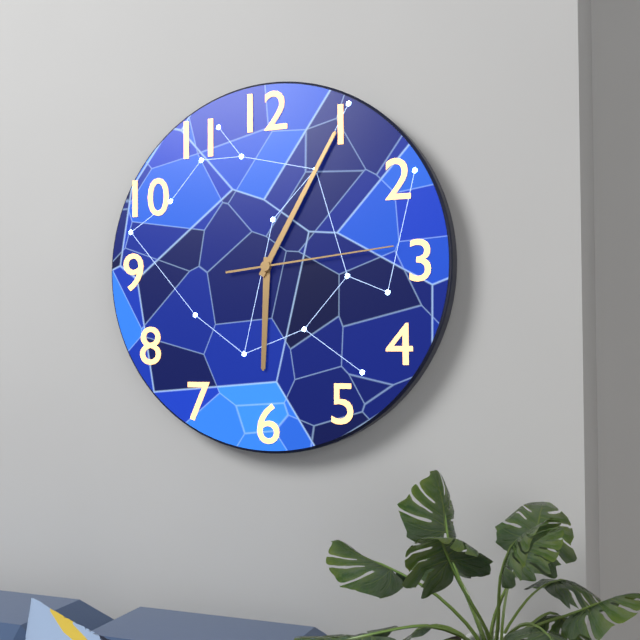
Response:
6h05m14s
